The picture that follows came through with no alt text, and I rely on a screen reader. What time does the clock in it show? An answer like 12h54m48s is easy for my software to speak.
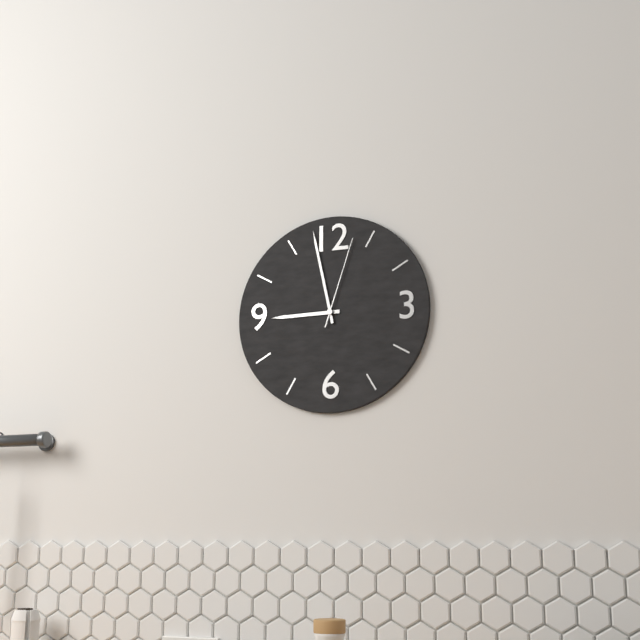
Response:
8h58m03s
